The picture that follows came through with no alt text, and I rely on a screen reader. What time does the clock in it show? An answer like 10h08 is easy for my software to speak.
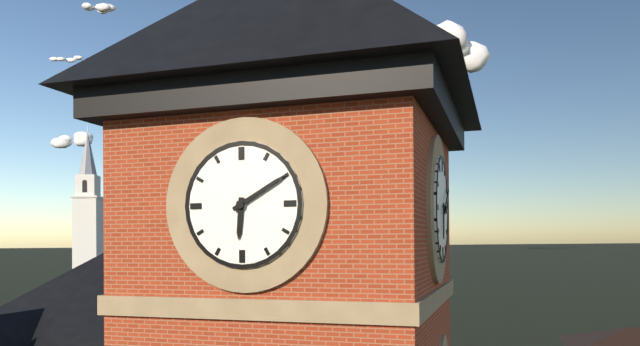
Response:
6h10
